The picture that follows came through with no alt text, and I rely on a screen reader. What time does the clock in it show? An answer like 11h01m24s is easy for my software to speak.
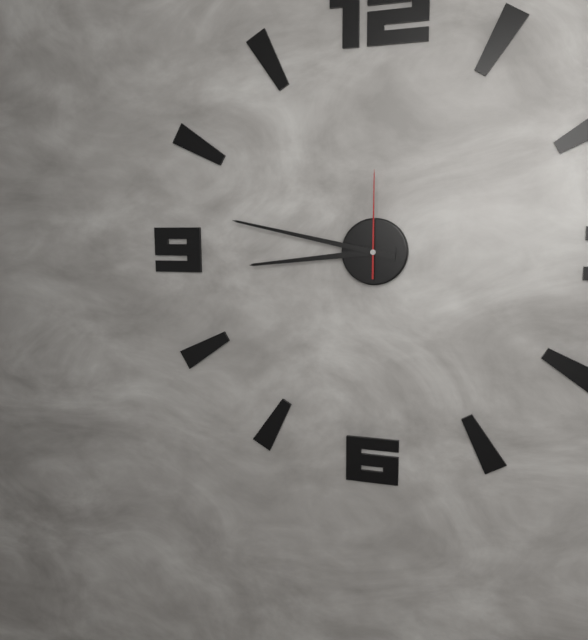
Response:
8h47m00s
